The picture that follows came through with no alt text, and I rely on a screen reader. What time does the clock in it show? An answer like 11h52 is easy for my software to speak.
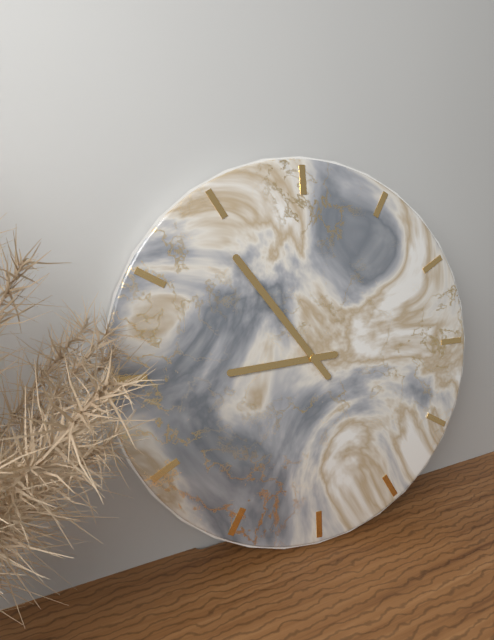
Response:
8h54
